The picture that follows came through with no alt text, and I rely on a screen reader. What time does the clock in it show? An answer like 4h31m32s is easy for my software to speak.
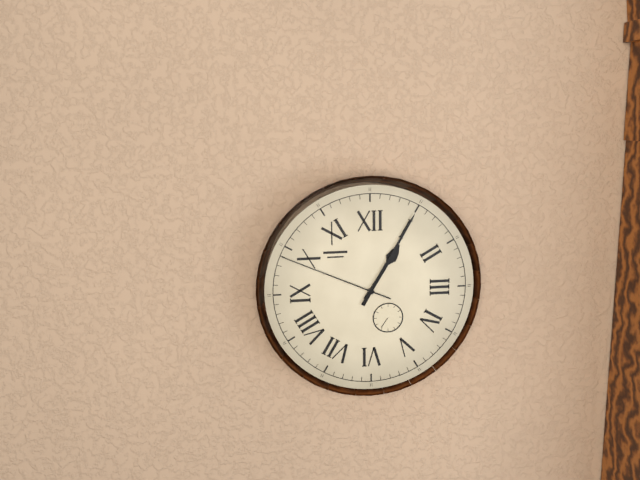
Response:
1h05m49s
